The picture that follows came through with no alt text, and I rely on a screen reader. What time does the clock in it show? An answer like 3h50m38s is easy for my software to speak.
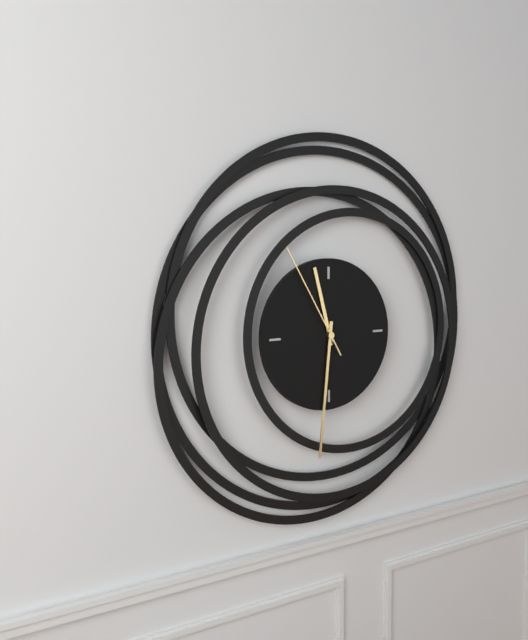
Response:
11h31m55s
